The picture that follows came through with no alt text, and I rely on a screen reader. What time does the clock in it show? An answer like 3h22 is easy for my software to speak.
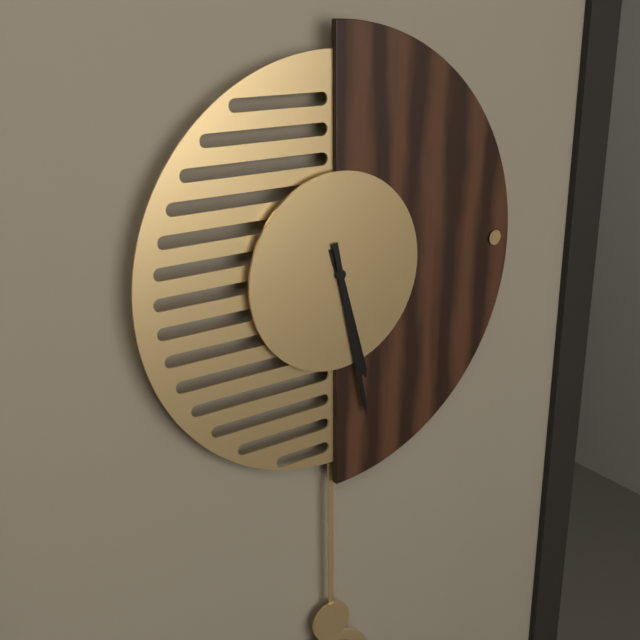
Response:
5h28
